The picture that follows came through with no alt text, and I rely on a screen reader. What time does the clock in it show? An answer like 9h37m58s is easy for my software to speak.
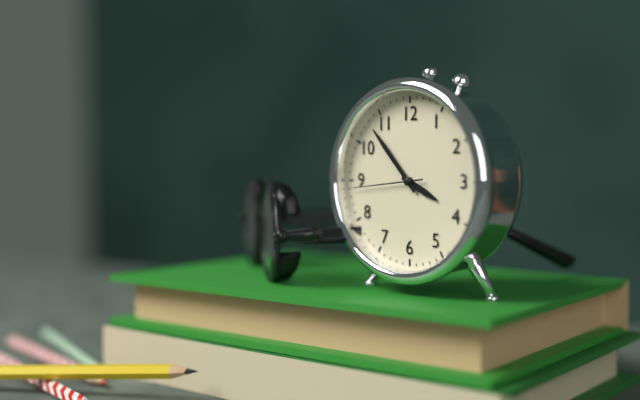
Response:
3h53m44s
